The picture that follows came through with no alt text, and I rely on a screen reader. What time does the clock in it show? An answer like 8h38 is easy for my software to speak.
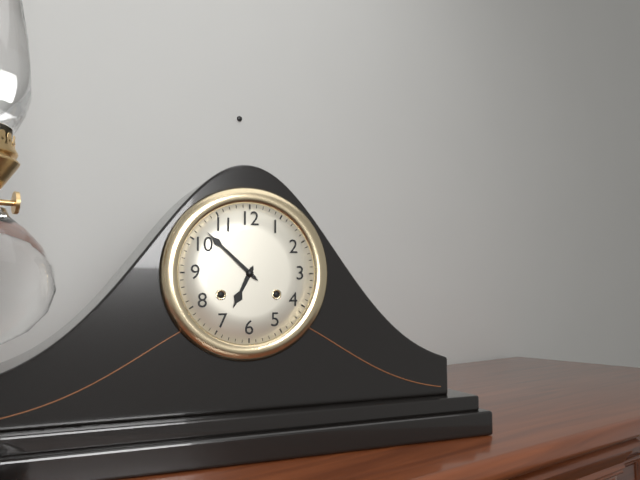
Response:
6h52
